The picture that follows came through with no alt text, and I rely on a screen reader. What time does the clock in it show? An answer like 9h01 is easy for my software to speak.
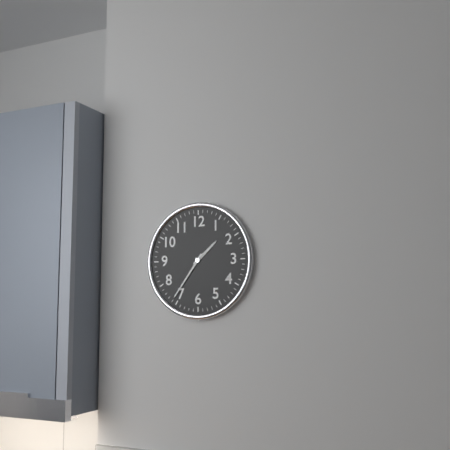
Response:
1h36
